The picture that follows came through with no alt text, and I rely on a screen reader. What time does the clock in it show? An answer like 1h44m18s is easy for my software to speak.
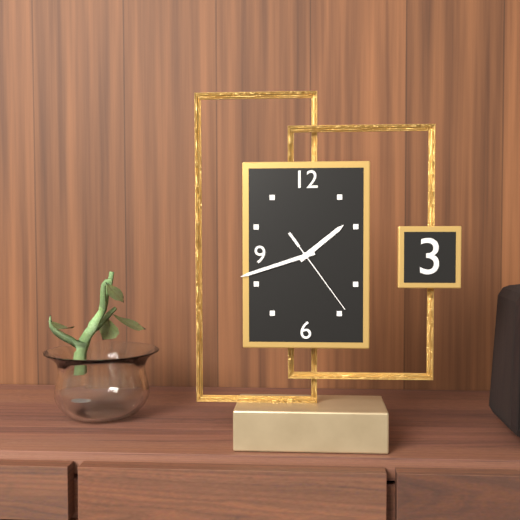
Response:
1h42m24s
